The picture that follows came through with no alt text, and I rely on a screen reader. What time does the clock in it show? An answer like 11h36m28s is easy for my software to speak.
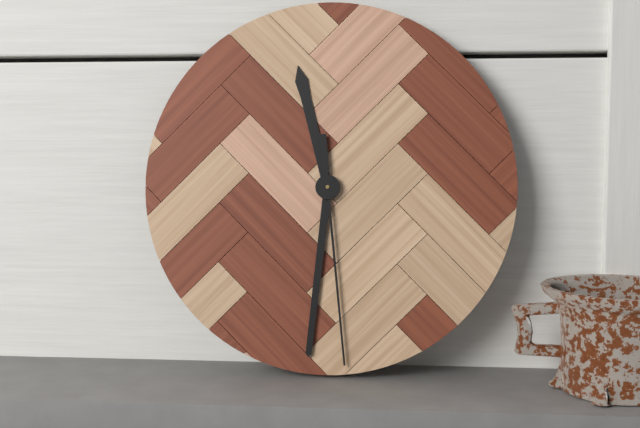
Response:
11h31m29s
